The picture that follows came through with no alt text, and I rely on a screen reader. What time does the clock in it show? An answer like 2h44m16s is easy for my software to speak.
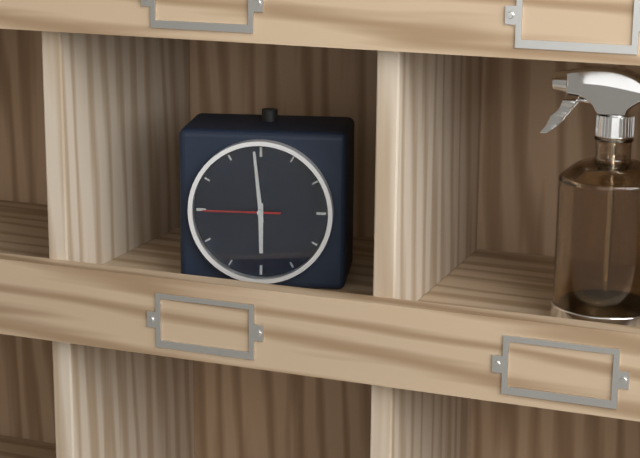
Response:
5h59m45s
